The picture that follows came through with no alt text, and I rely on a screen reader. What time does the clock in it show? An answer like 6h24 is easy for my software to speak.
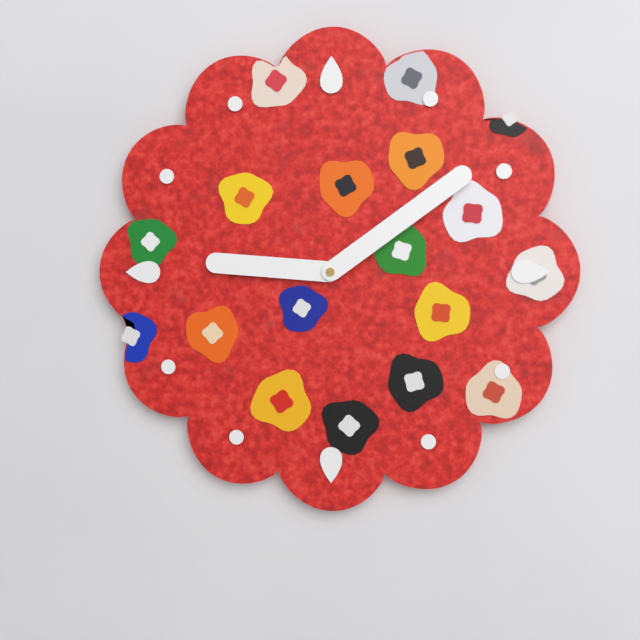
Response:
9h09
